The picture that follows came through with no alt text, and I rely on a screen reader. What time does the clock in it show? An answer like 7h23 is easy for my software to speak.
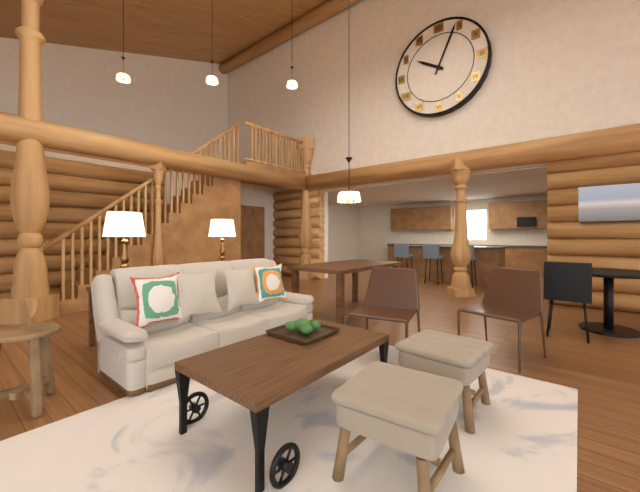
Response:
10h04
